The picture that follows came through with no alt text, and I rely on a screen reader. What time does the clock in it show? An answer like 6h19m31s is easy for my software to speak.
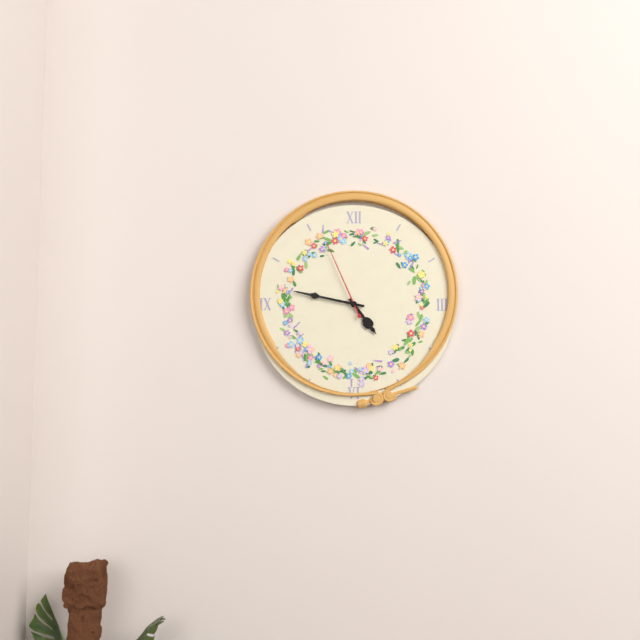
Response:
4h47m56s
